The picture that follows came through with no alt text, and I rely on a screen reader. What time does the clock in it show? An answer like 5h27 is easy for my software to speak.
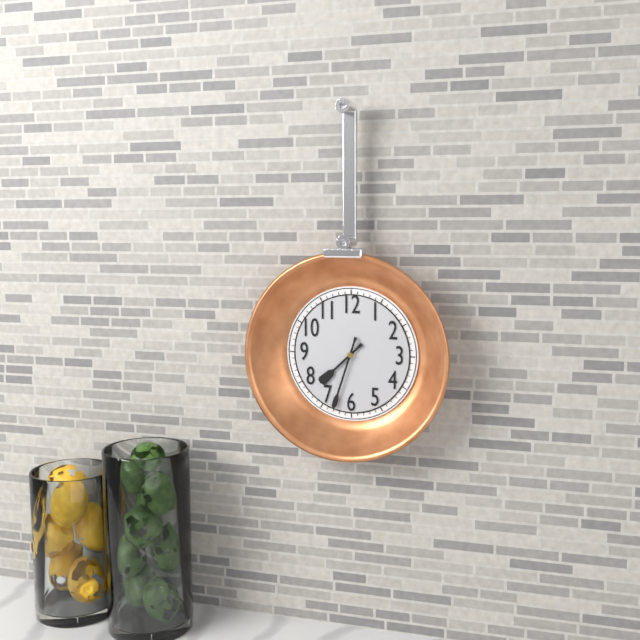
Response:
7h33
